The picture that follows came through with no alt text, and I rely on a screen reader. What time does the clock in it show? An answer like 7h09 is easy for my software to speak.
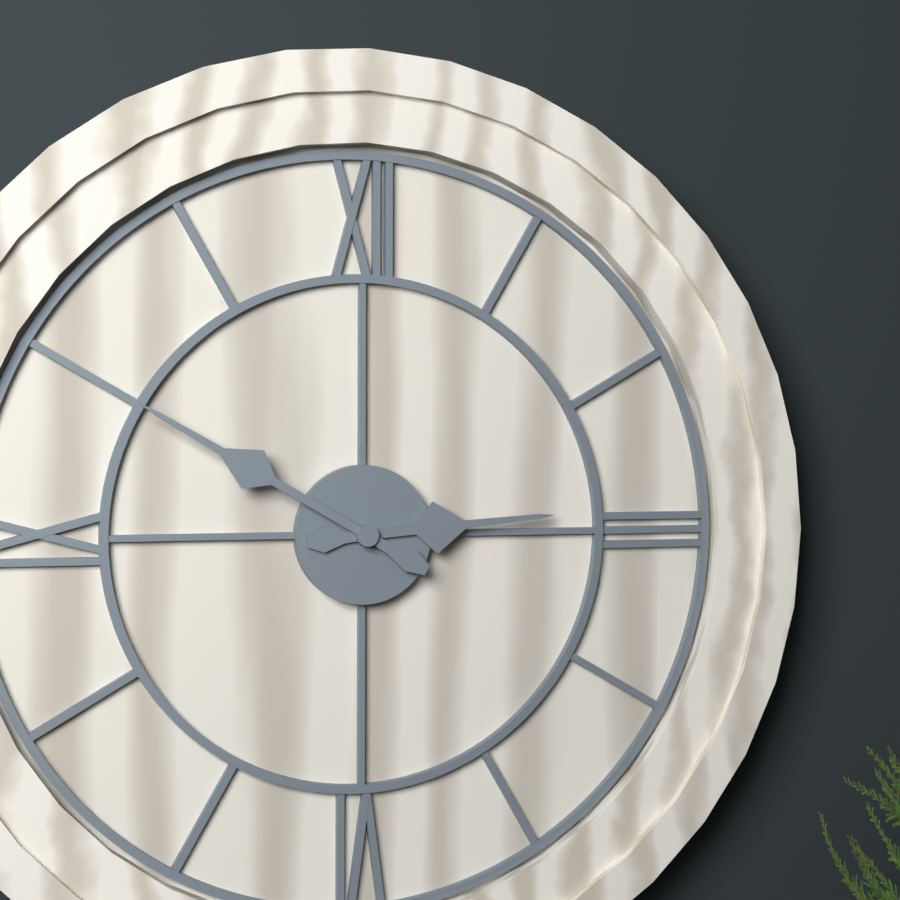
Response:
2h50
